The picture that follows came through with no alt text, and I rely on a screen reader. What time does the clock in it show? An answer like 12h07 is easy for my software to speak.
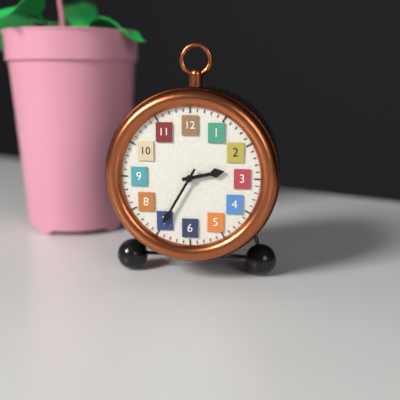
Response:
2h35
